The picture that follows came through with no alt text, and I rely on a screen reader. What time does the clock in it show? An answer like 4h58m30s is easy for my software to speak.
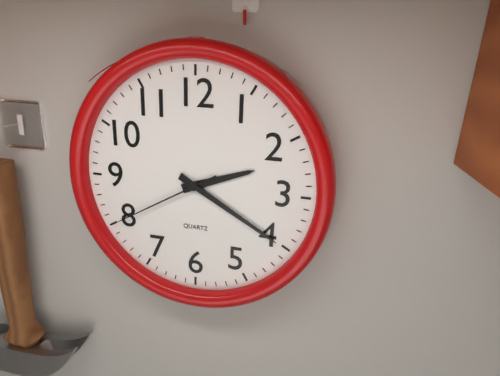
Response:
2h20m40s
